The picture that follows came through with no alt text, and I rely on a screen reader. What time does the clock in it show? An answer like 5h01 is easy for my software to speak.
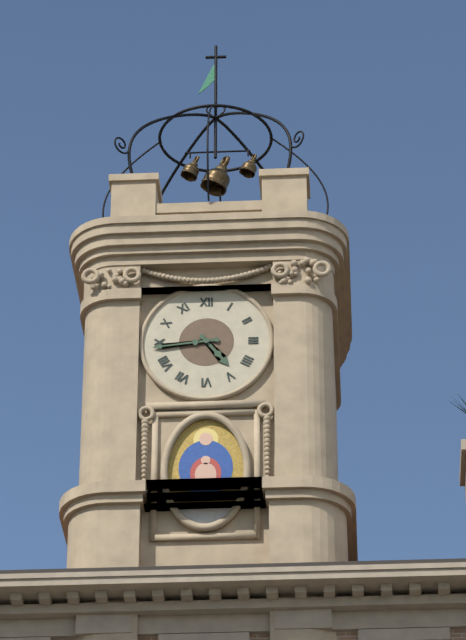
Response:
4h44
